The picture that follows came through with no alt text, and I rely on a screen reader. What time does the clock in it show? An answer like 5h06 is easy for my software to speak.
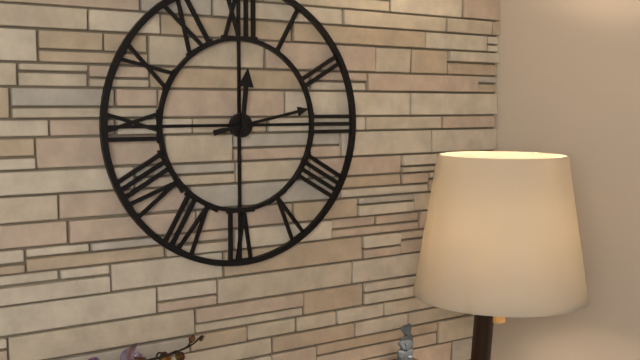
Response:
12h13
